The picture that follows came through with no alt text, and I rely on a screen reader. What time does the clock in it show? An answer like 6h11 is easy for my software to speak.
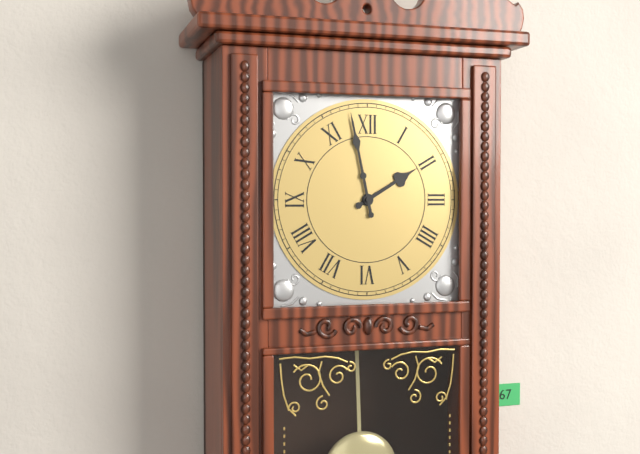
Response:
1h58
